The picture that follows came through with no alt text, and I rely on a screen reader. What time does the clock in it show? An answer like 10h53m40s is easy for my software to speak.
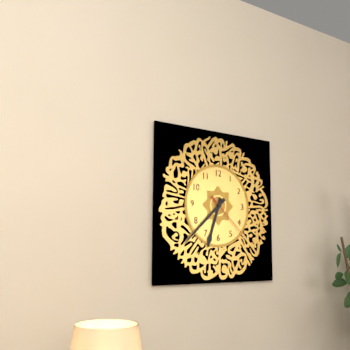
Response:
6h38m22s
